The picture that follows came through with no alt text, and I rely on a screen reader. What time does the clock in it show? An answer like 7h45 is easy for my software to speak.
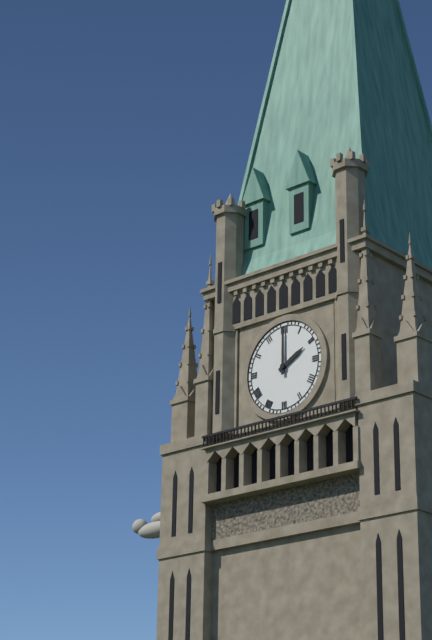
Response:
2h00
